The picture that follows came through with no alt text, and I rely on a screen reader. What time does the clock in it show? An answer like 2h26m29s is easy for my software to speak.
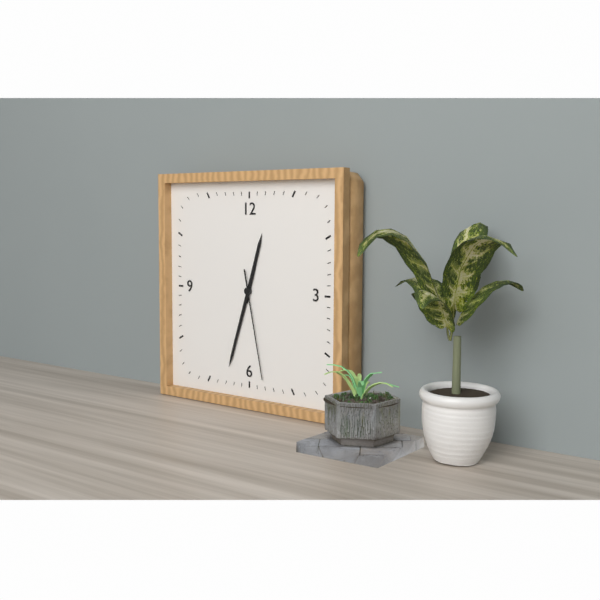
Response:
12h33m28s
